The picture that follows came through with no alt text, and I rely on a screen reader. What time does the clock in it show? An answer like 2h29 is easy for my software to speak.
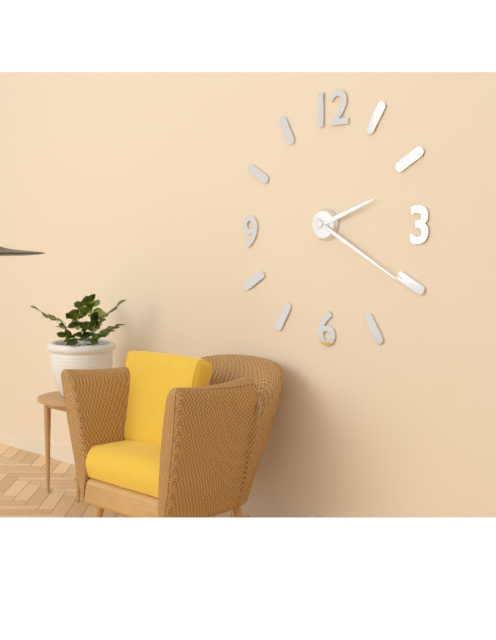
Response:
2h20
